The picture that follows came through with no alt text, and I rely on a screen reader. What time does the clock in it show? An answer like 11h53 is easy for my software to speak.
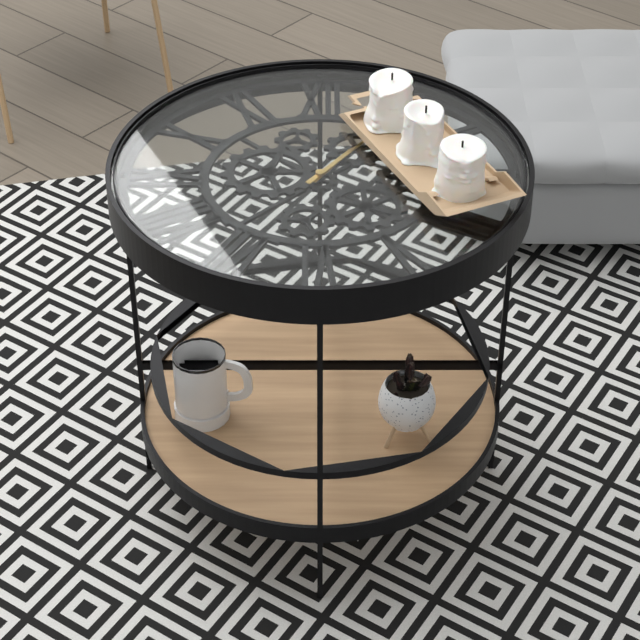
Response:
1h06
